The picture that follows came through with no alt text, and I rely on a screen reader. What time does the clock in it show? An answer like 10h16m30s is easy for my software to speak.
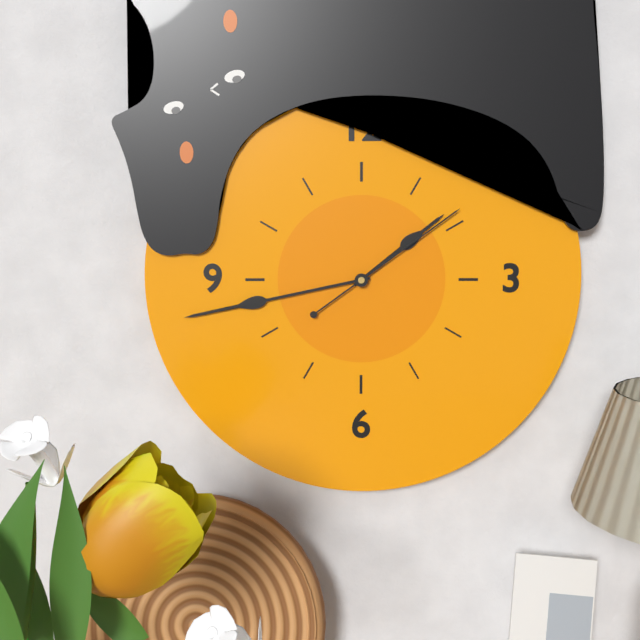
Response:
1h43m09s
